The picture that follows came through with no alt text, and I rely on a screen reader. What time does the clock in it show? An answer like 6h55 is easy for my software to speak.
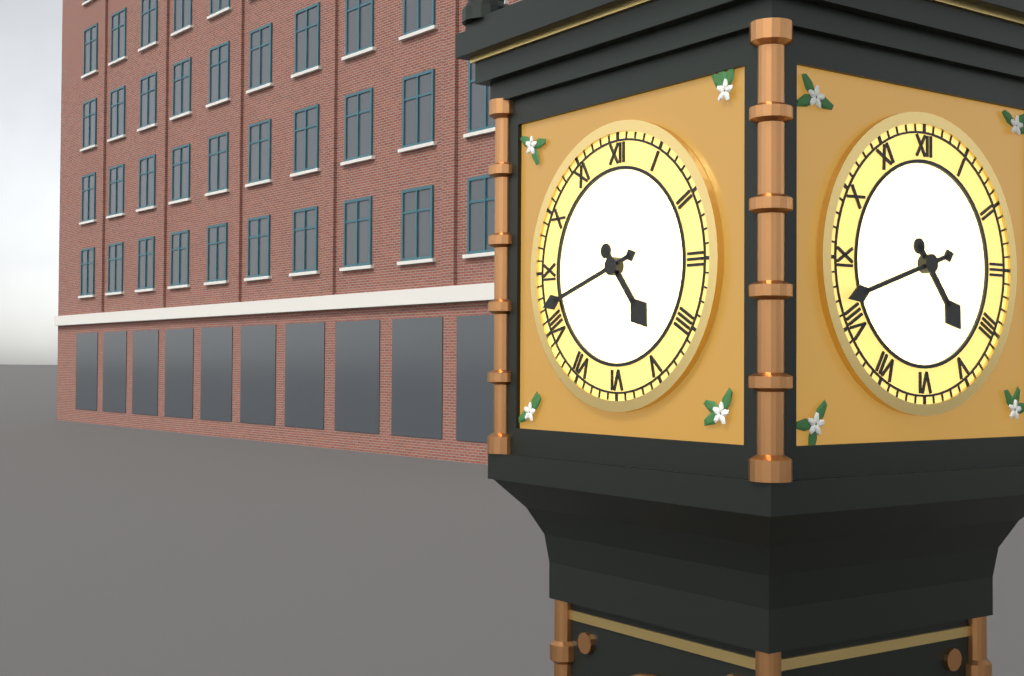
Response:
4h42
